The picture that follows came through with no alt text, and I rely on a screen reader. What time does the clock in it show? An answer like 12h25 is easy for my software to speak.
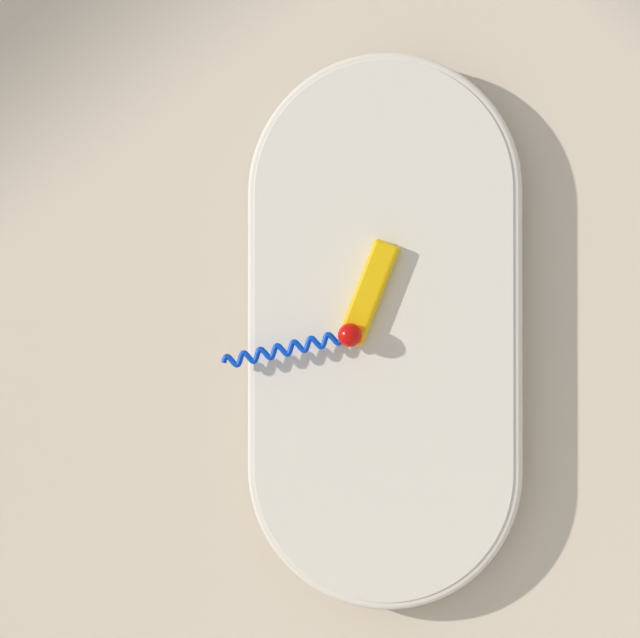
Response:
12h43
